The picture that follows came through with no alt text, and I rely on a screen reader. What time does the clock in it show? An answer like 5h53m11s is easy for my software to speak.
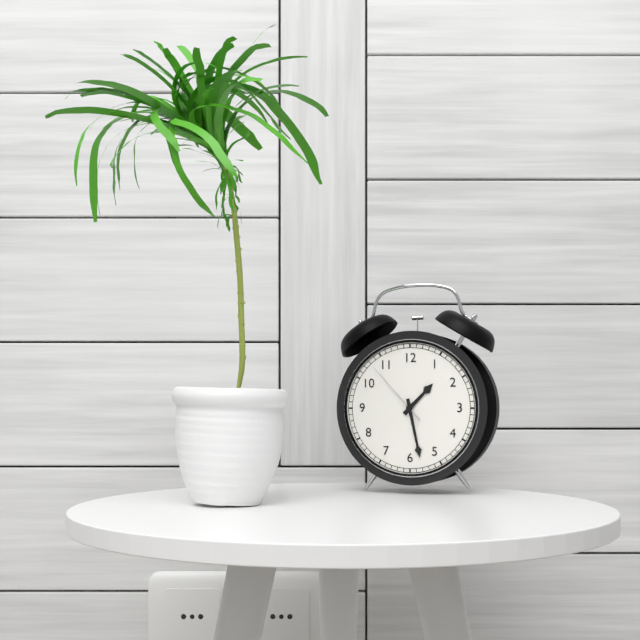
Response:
1h28m53s
